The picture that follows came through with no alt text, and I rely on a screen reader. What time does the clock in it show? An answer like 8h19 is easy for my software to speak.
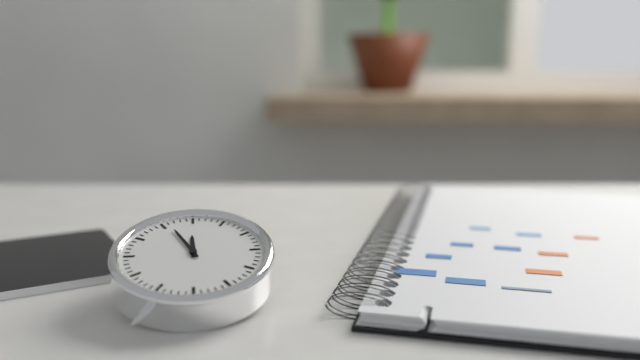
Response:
11h56
